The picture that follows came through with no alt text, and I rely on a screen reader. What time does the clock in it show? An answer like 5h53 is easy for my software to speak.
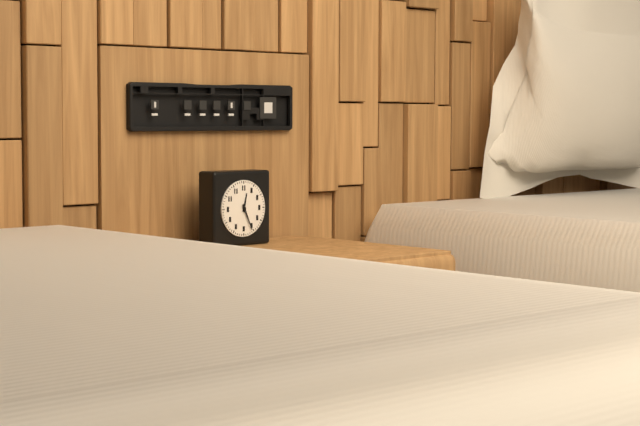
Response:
12h26
